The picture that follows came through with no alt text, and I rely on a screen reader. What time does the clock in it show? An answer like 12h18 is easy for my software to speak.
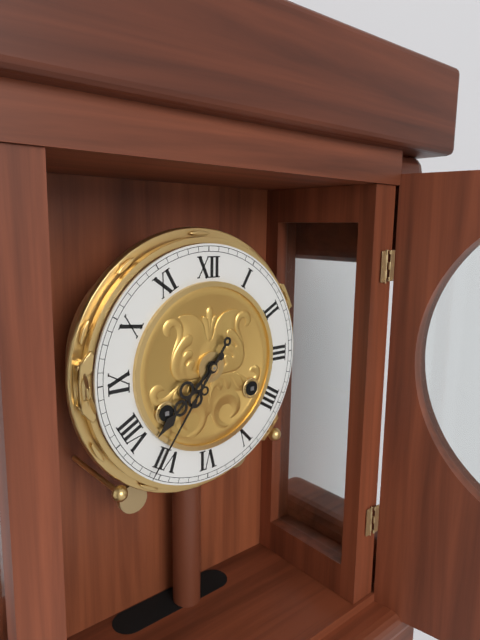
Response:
7h36
